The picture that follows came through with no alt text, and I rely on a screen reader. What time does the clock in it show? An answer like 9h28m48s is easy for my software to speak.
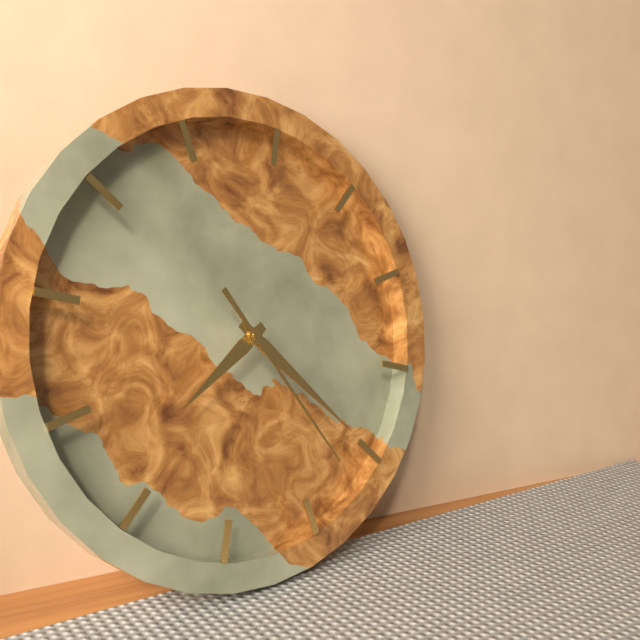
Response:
7h20m22s
